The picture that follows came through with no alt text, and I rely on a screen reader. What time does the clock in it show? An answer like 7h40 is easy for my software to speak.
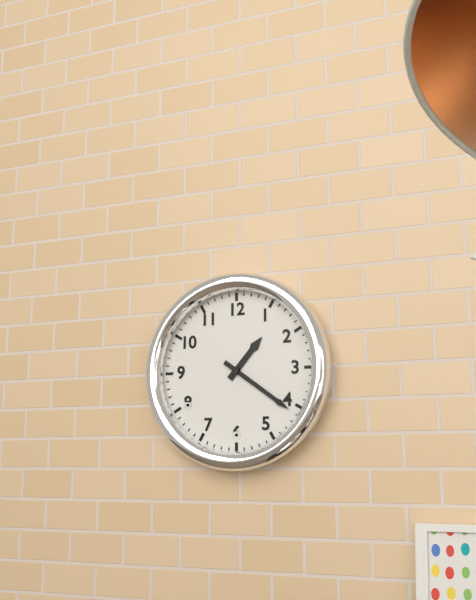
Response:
1h21
